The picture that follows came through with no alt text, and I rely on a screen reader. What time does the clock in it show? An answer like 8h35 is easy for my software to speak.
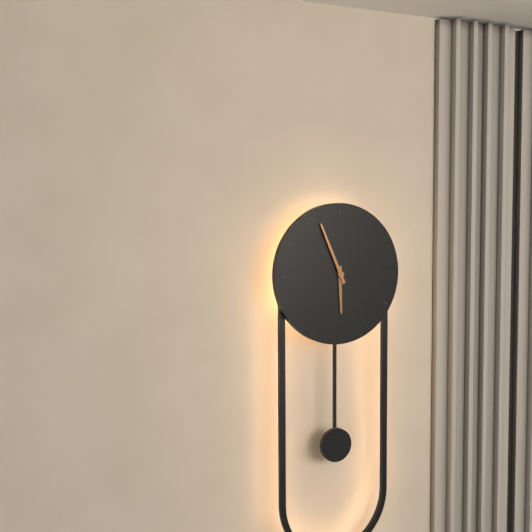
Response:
5h56
